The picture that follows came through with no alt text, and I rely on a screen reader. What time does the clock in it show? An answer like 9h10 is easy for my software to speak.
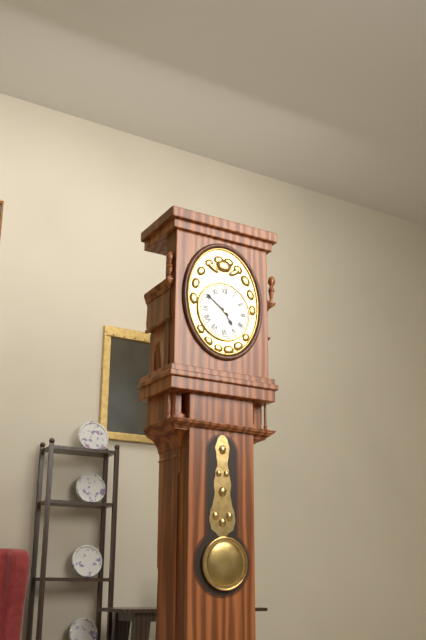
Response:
4h51
